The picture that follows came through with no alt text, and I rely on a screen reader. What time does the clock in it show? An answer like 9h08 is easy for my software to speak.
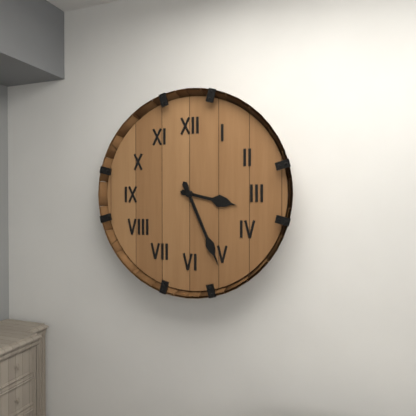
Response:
3h26
